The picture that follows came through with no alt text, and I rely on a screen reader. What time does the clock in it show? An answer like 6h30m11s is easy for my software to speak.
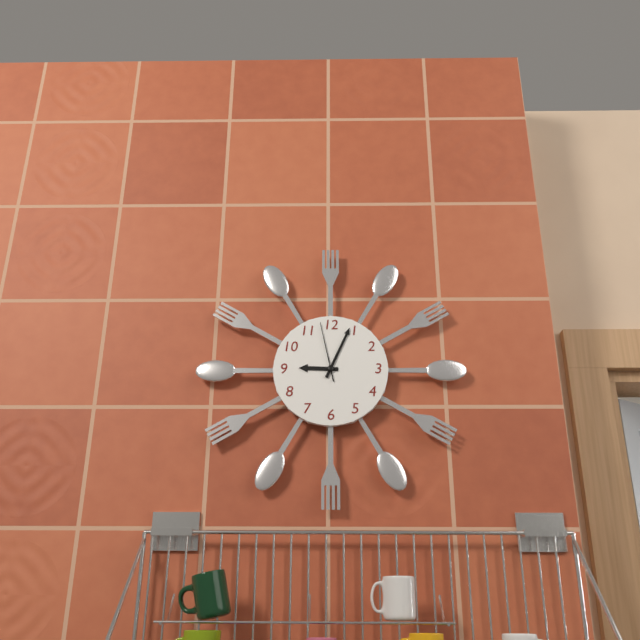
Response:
9h04m58s
